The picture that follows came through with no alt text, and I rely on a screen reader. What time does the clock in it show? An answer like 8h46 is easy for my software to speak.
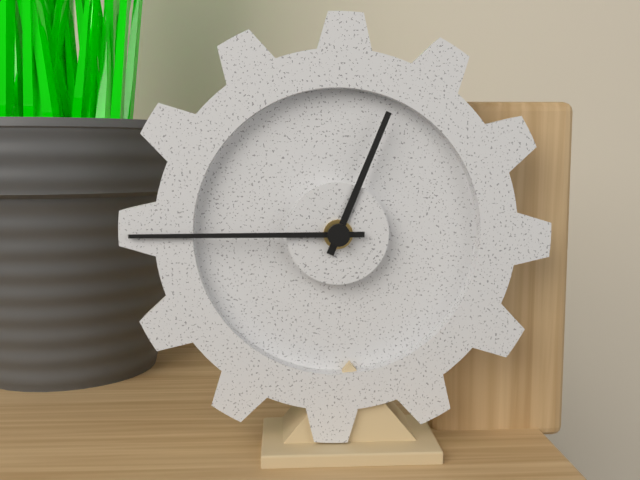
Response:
12h45
